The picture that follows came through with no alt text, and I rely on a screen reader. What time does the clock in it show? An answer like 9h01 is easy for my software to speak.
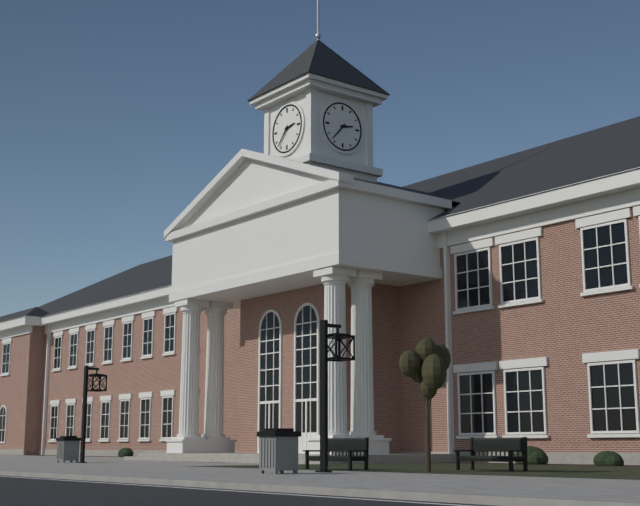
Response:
2h37
